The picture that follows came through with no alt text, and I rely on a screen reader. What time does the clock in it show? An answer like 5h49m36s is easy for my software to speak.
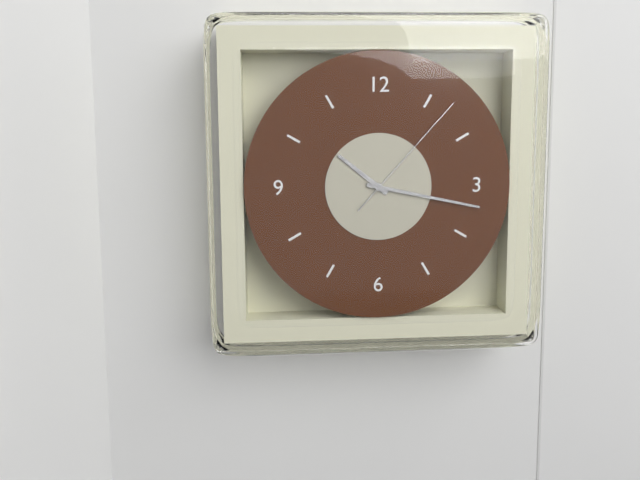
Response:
10h17m07s
